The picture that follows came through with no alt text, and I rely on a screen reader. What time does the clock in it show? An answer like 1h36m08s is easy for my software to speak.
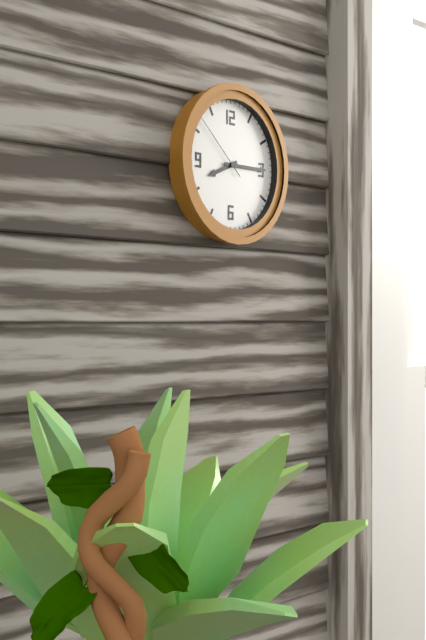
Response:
8h15m52s
